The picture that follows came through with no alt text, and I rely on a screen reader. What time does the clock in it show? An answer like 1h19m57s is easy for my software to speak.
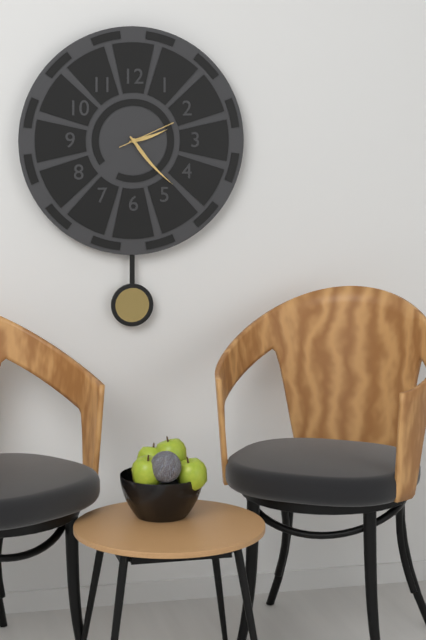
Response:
2h23m11s
